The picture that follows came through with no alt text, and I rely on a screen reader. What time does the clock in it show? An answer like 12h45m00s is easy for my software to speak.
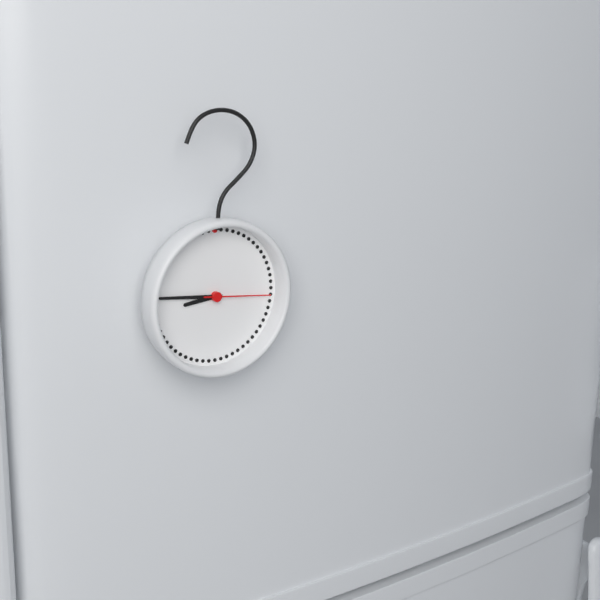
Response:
8h46m16s
